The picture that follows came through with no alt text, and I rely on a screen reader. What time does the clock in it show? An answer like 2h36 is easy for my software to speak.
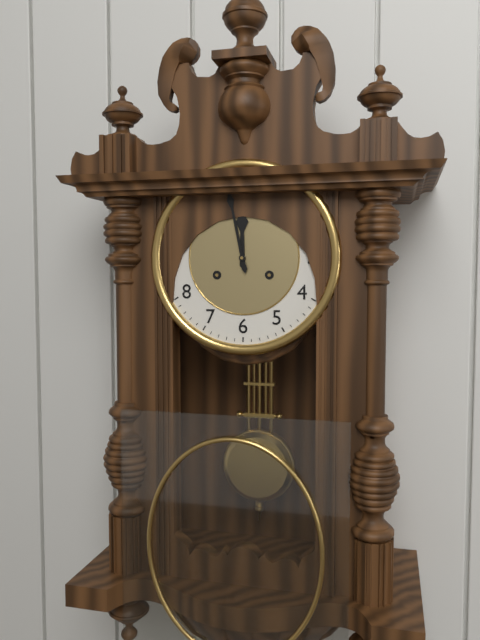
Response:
11h58
